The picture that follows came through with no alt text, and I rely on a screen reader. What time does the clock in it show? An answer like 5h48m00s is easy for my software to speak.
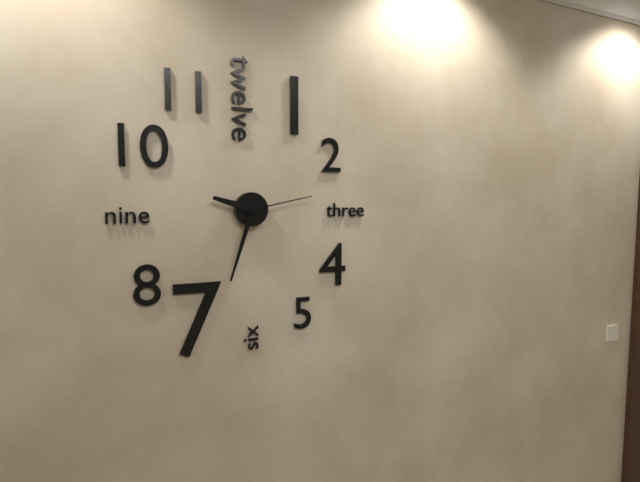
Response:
9h33m13s
